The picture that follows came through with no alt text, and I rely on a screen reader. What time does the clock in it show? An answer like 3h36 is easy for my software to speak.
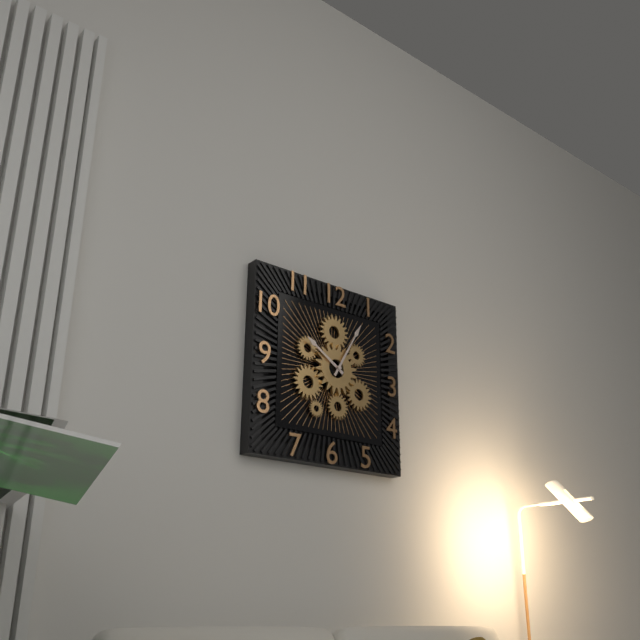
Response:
10h05
